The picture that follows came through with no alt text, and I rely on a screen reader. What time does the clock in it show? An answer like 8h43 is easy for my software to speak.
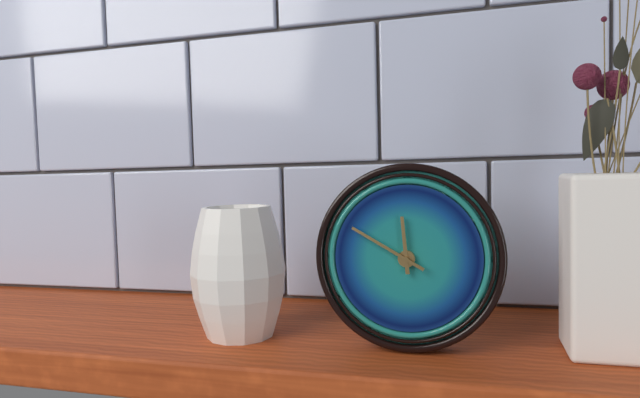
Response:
11h50
